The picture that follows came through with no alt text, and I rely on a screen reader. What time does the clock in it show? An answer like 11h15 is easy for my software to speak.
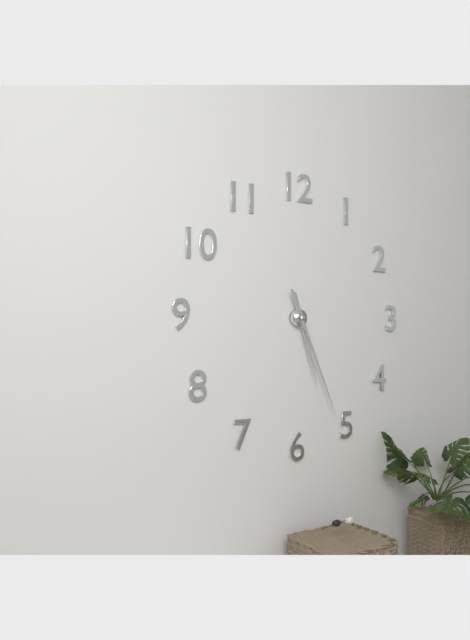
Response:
5h26
